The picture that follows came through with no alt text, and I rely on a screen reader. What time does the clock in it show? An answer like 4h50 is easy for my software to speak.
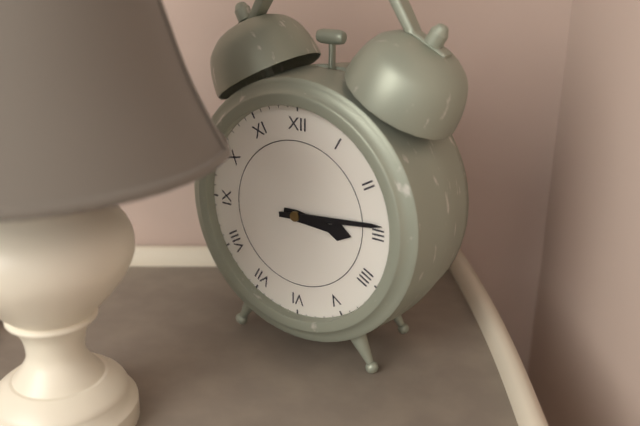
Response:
3h14
